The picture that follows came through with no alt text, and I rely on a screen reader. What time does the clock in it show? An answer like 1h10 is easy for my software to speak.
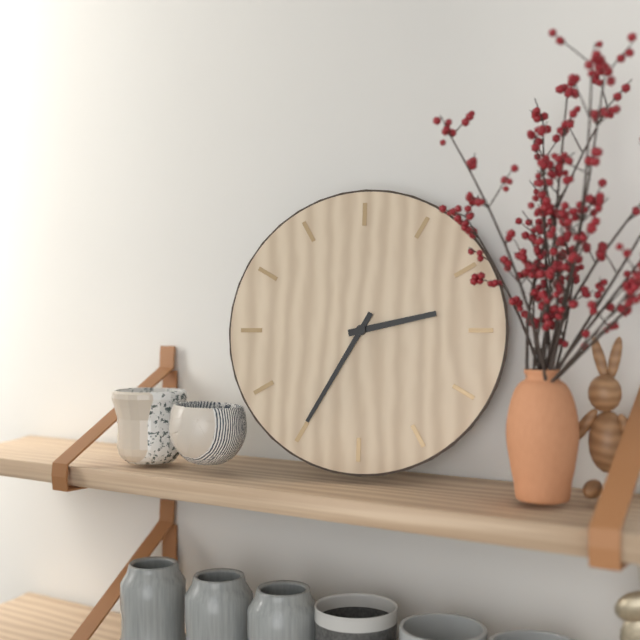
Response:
2h35
